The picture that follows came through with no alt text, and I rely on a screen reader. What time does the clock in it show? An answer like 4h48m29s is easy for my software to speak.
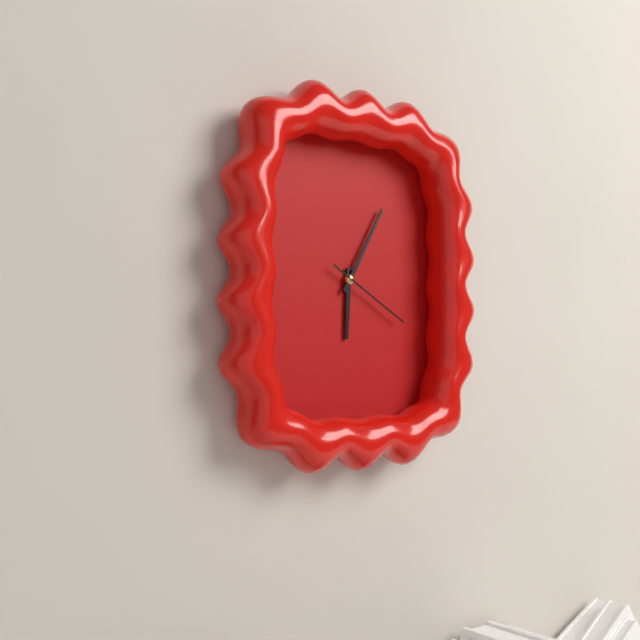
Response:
6h05m20s
